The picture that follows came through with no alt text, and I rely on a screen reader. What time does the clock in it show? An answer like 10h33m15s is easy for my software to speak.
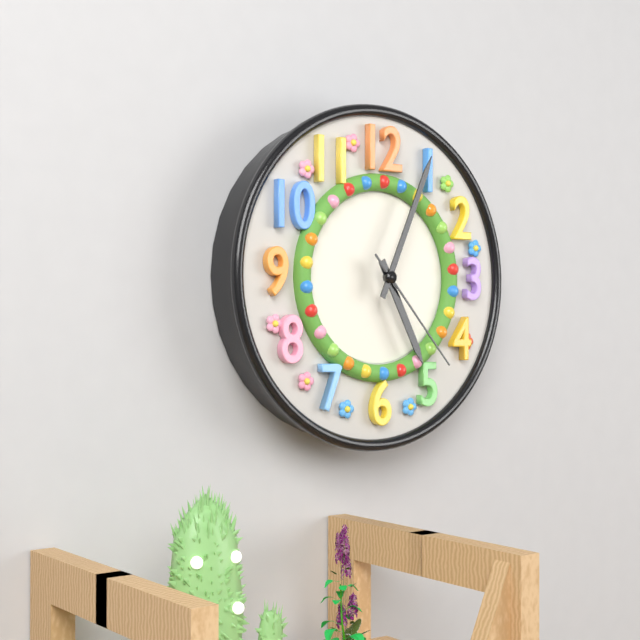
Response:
5h04m23s
